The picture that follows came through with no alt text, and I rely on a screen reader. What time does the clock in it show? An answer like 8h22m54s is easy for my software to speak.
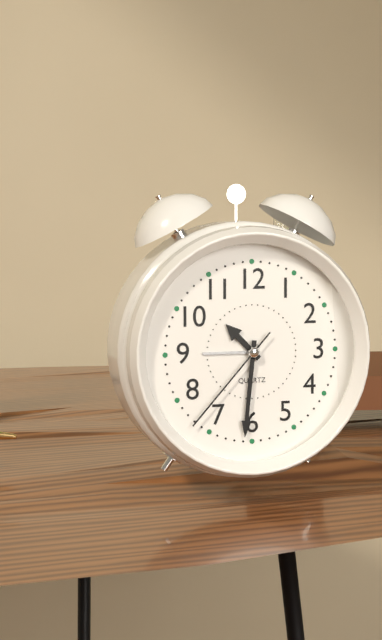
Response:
10h31m37s
